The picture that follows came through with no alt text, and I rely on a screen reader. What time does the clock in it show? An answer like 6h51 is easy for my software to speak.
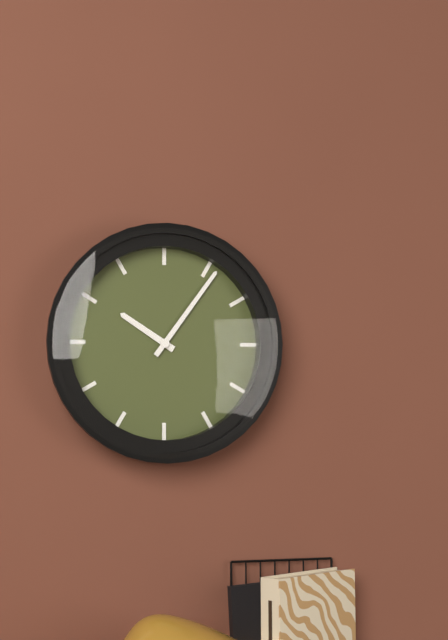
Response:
10h06
